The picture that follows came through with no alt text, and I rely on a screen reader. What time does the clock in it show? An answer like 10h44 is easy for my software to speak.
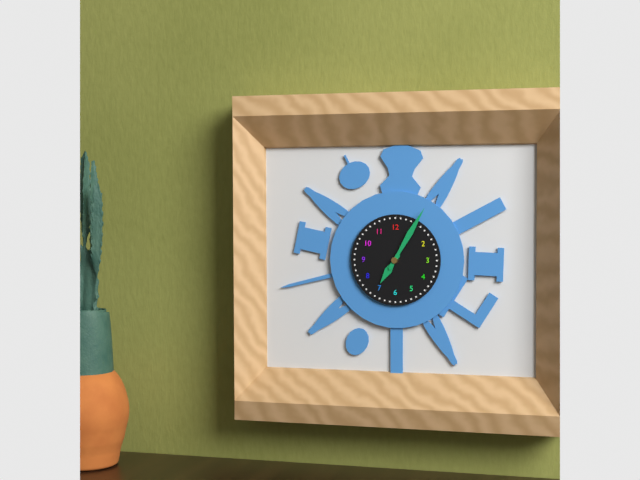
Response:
7h05
